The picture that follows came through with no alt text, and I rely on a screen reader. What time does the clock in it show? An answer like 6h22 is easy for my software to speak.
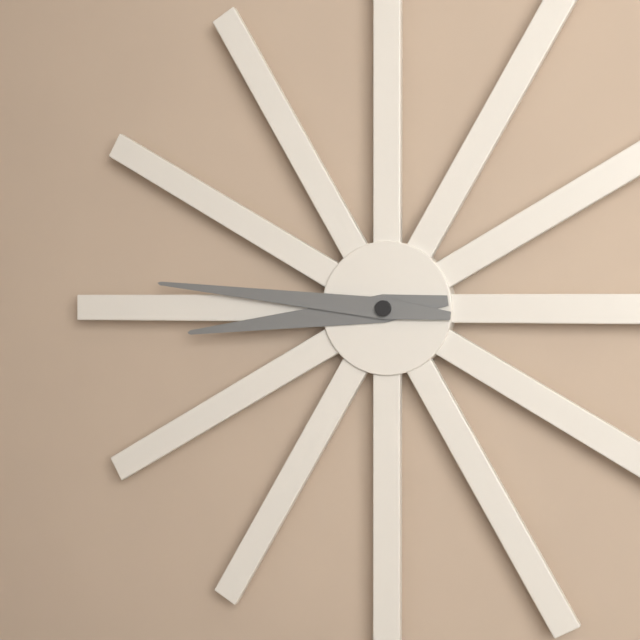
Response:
8h46
